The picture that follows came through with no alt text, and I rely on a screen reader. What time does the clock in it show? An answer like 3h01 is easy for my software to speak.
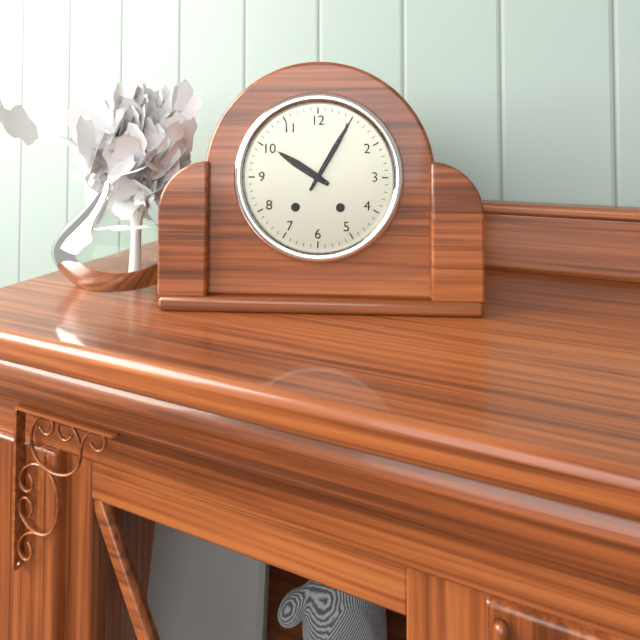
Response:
10h05
